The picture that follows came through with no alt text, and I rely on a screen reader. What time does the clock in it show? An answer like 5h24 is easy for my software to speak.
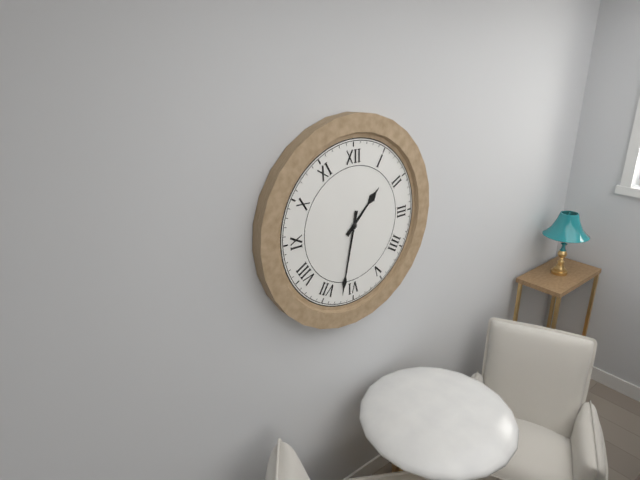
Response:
1h32
